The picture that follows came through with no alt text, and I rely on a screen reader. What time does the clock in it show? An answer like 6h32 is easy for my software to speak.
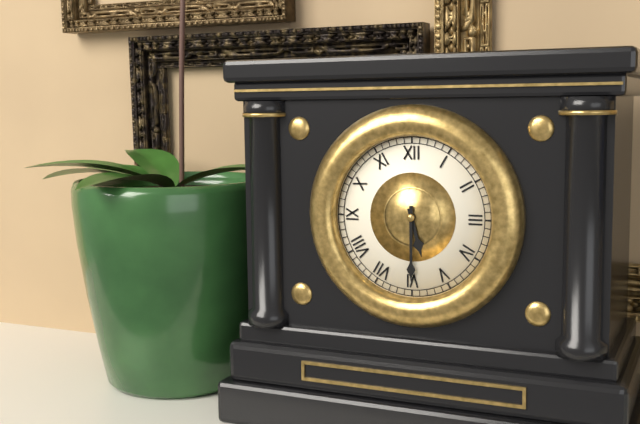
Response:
5h30
